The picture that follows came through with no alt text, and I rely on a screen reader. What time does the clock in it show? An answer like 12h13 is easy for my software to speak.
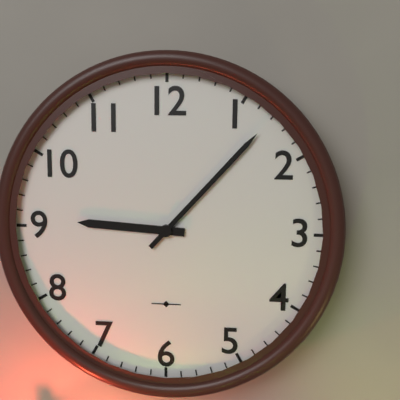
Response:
9h07
